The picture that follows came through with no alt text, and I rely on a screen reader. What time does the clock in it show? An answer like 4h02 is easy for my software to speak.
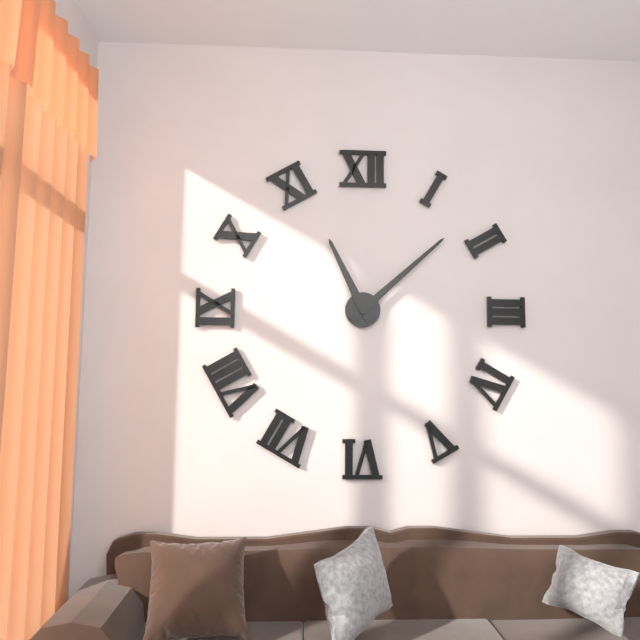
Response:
11h08
